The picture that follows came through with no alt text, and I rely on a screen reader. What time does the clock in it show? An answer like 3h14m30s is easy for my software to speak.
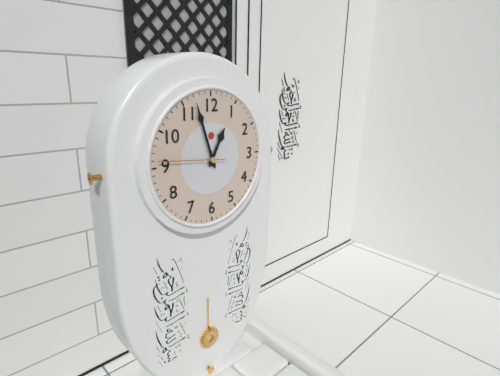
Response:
12h57m46s
